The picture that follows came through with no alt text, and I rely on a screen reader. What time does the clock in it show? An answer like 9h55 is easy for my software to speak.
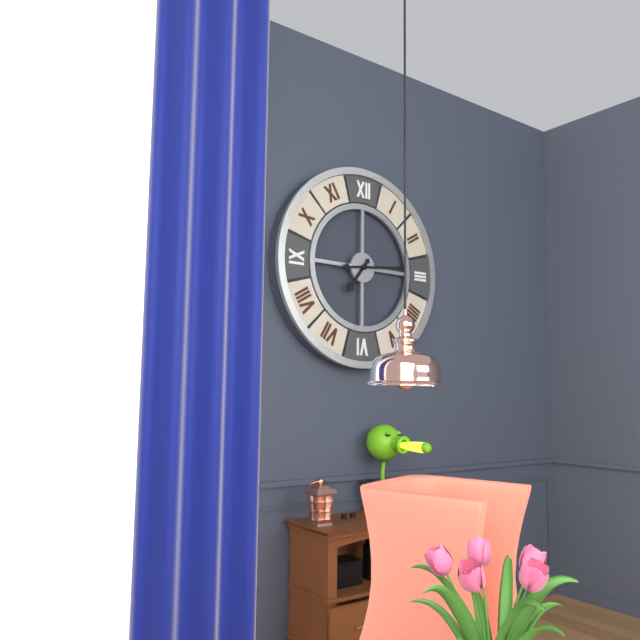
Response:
7h14
